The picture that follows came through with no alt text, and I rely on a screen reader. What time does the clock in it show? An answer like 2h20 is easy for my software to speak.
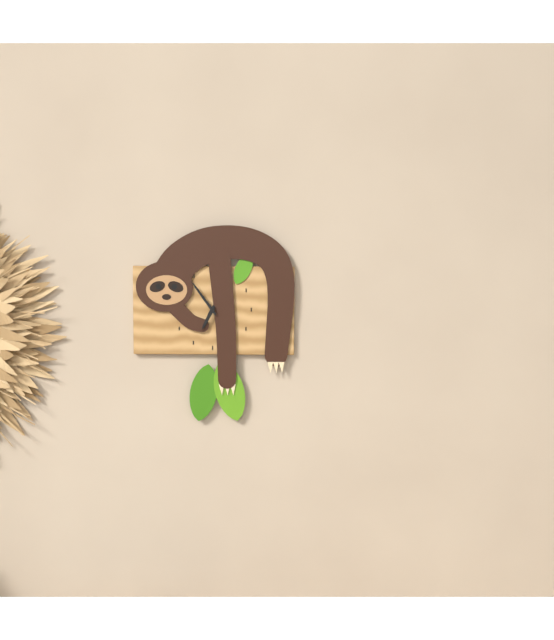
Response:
6h54
